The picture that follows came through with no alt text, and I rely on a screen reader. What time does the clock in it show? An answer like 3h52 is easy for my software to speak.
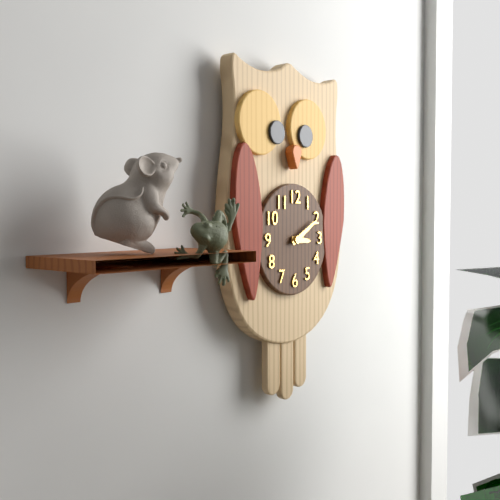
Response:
3h10
